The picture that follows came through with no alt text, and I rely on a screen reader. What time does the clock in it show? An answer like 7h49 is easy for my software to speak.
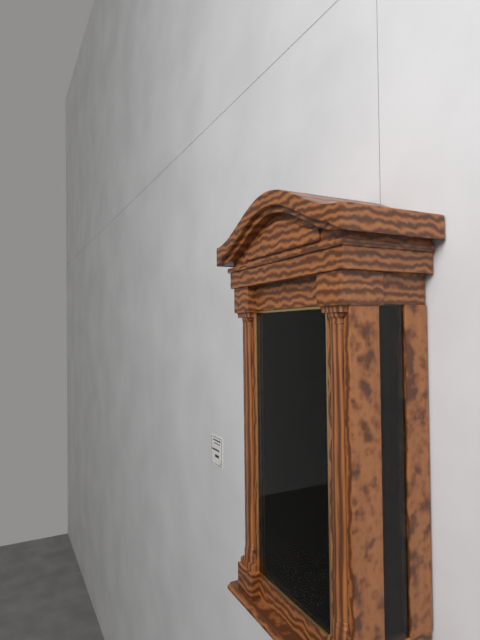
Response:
11h41
